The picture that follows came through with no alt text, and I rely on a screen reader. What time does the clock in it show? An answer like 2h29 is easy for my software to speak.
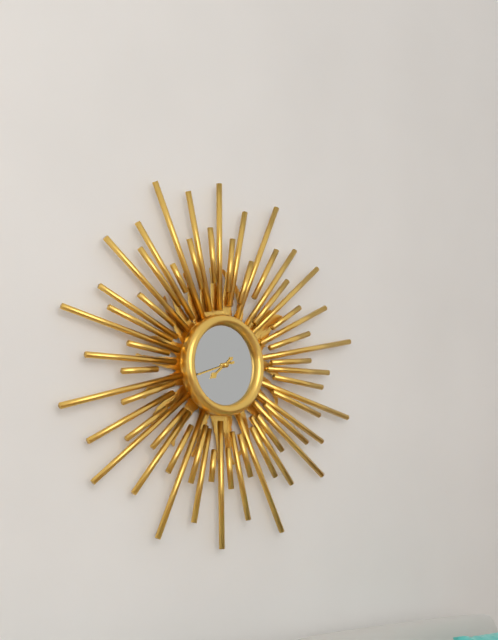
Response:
7h42
